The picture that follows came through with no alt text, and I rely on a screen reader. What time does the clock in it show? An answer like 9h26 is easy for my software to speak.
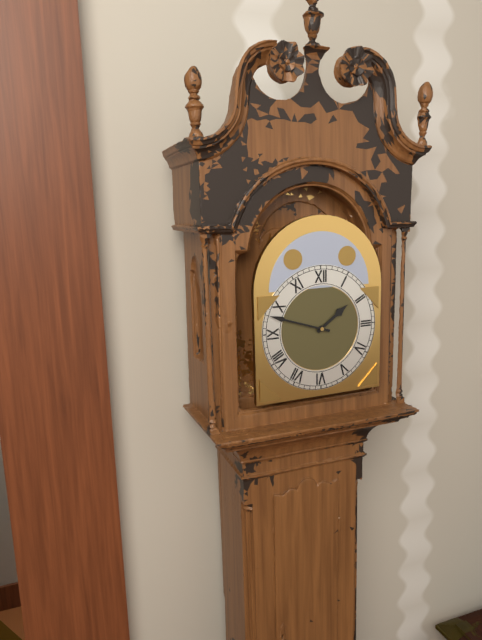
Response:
1h48
